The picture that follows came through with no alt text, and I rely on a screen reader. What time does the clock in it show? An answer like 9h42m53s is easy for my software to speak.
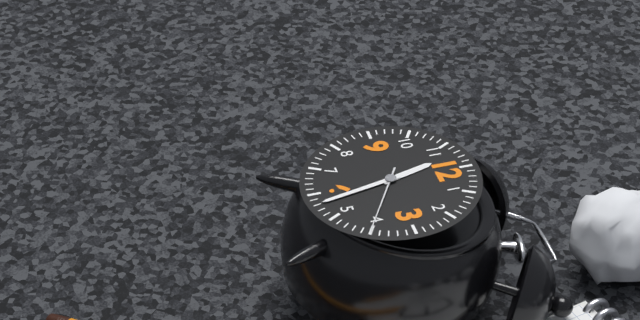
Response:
11h28m20s
